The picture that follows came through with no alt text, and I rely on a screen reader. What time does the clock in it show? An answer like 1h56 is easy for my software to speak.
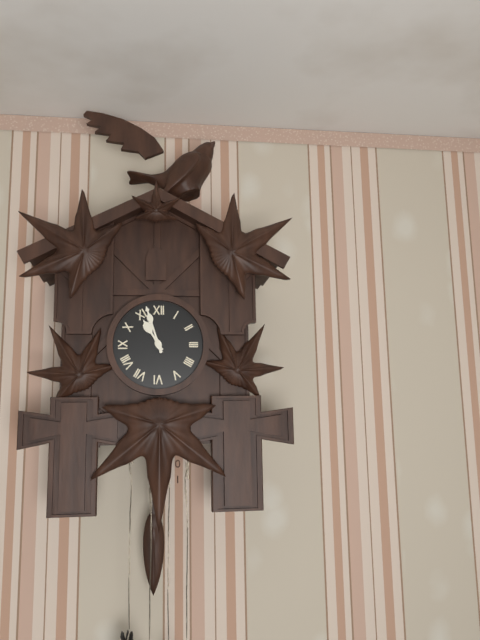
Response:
10h57
